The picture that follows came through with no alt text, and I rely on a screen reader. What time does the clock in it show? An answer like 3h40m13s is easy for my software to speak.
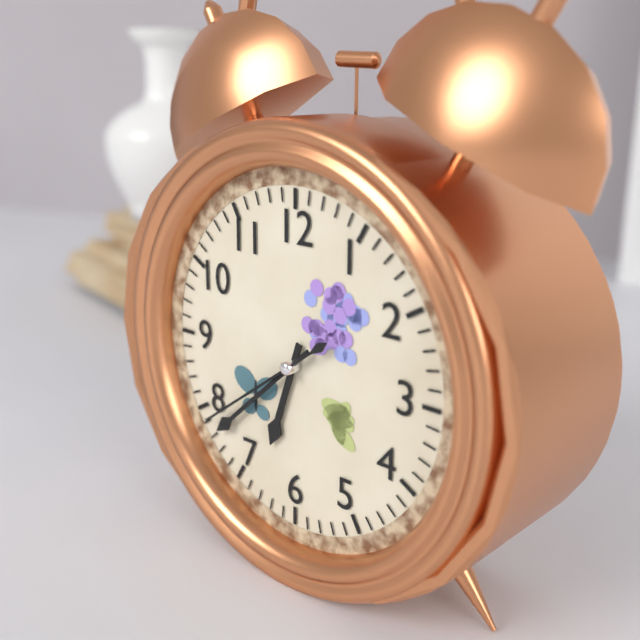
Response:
6h38m39s
